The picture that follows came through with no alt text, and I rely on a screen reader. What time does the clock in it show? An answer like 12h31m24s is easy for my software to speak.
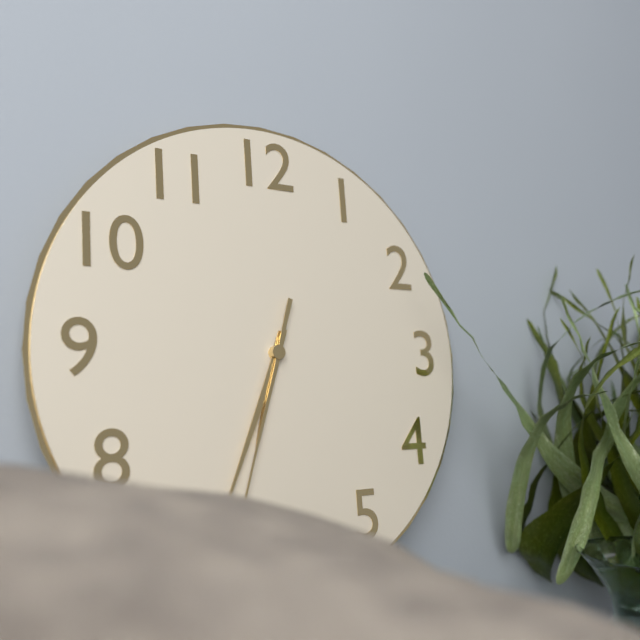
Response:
6h34m33s
